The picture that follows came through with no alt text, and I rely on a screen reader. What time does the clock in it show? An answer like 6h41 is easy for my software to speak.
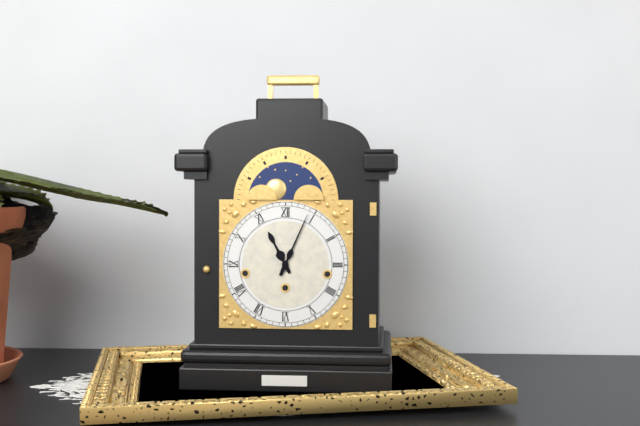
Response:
11h04
